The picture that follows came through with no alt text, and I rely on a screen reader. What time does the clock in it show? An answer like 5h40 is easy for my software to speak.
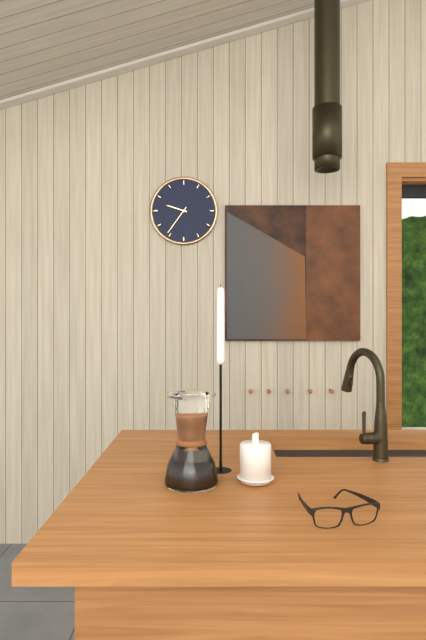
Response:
9h36
